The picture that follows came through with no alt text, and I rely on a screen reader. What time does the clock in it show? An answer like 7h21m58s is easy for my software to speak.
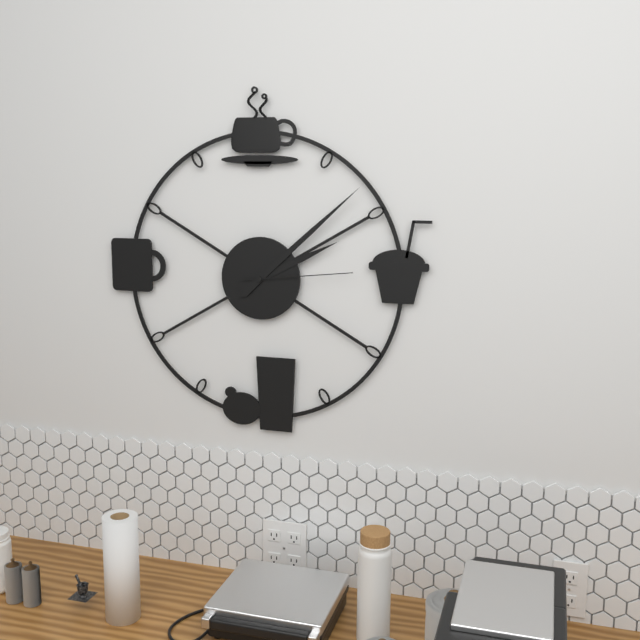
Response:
2h08m14s
